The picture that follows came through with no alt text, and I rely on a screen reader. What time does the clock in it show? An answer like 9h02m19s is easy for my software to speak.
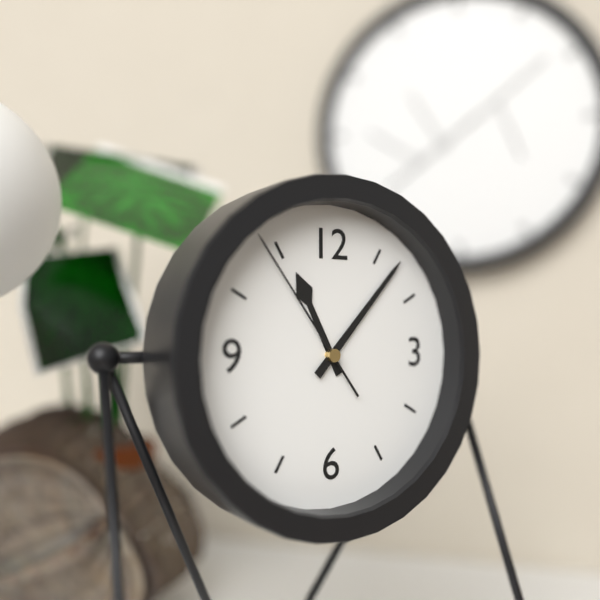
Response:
11h07m54s
